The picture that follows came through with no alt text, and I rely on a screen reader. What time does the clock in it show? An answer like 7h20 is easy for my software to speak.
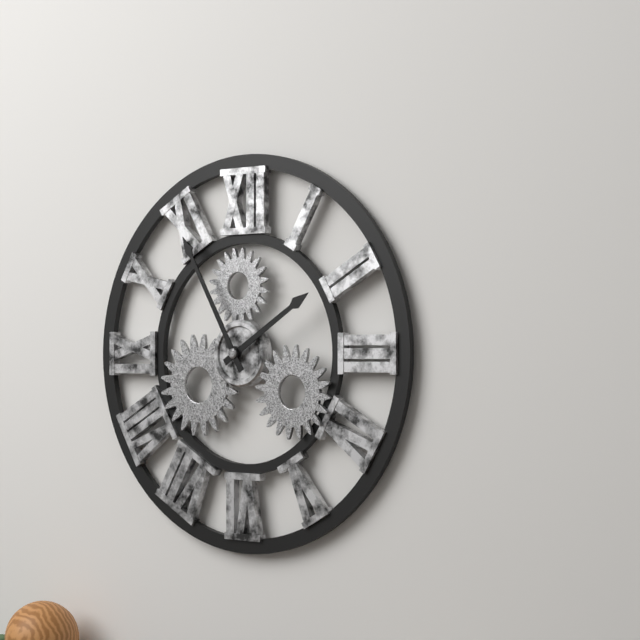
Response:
1h55
